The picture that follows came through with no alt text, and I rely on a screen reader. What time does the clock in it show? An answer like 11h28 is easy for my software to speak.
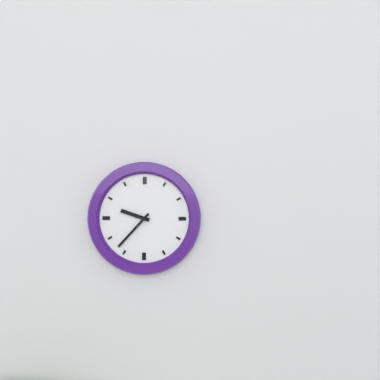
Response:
9h37
